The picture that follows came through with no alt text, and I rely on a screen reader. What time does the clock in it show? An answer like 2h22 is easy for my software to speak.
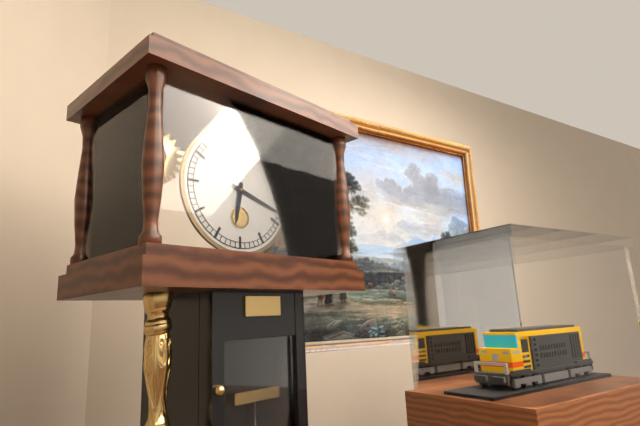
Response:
6h18
